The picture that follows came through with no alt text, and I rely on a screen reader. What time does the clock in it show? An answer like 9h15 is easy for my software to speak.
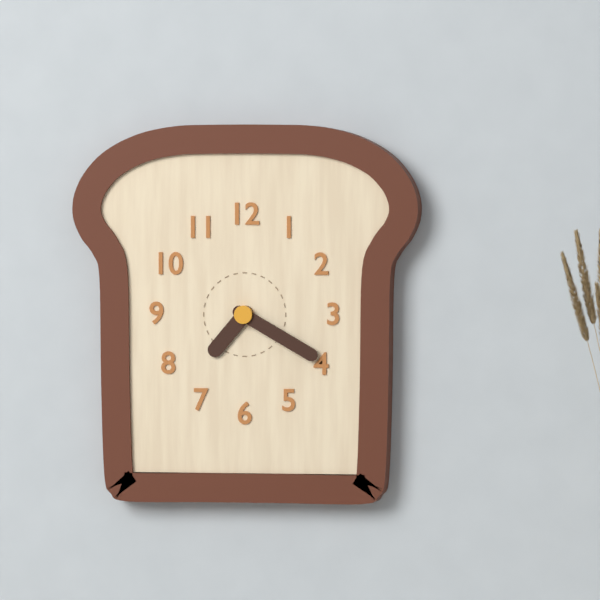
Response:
7h20
